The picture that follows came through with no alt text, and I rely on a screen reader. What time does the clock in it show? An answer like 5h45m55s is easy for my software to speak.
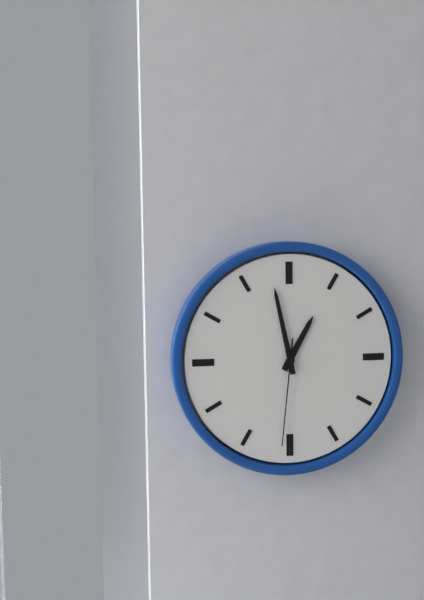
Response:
12h58m31s
